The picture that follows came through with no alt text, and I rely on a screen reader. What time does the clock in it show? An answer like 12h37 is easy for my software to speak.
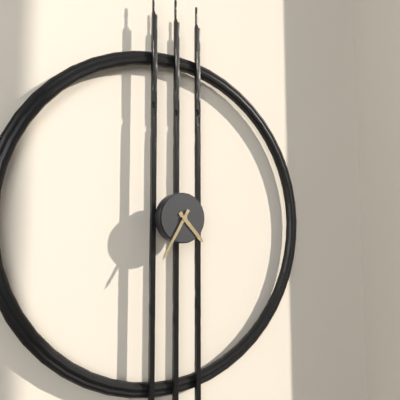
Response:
4h35
